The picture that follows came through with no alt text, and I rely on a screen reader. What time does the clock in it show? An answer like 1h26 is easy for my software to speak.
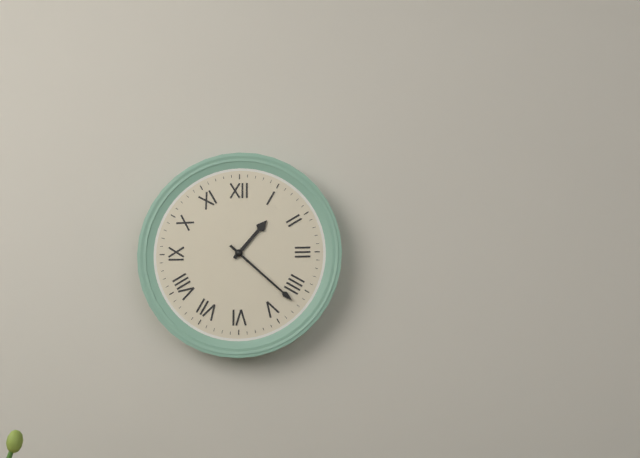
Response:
1h22
